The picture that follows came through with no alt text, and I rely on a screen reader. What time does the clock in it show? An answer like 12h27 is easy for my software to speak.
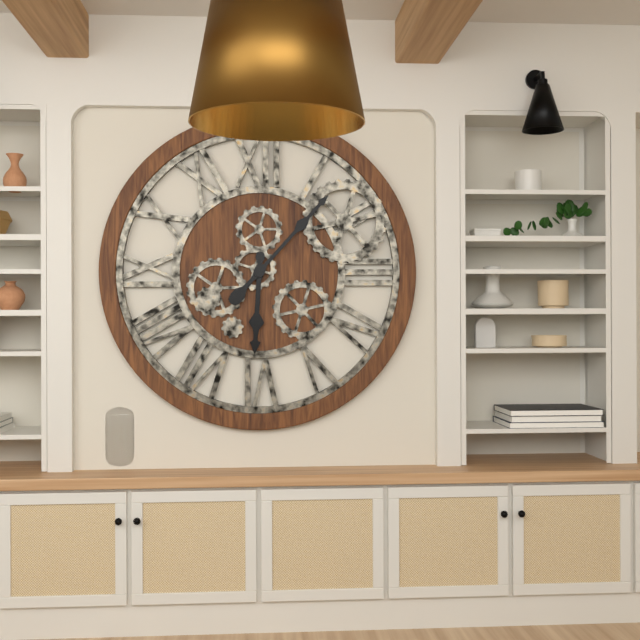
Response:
6h07
